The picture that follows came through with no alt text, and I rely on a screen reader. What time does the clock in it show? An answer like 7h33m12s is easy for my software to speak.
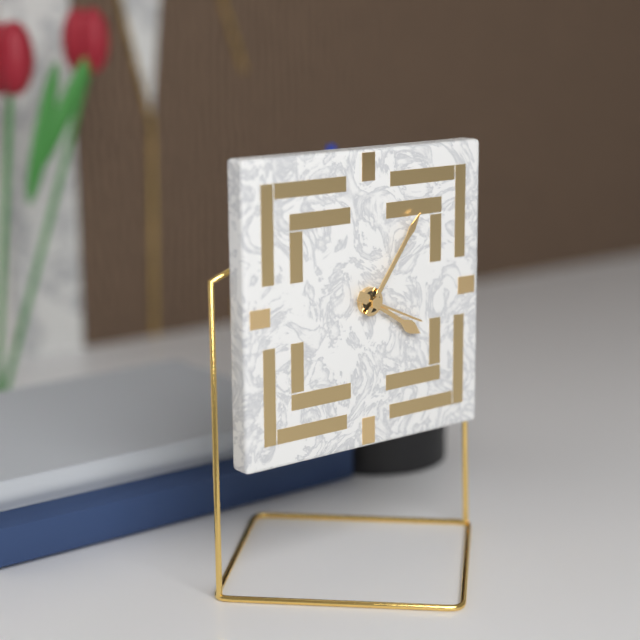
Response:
4h06m19s
